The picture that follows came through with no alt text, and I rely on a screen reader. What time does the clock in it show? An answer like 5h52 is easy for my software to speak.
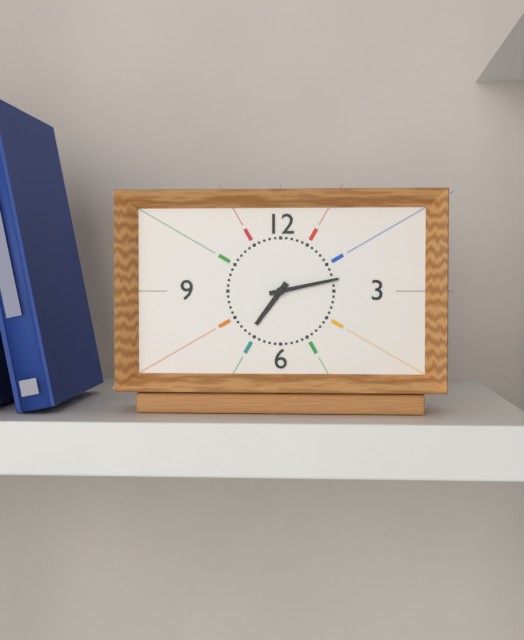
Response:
7h13
